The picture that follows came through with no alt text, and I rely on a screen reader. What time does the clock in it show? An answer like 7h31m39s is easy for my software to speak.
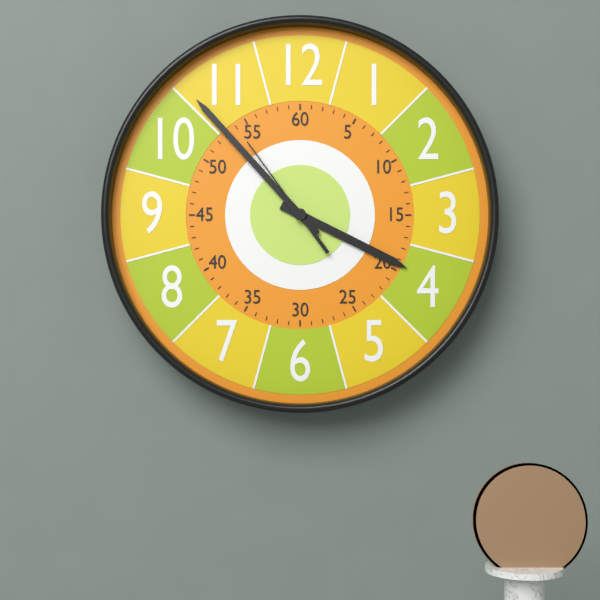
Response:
3h53m54s
